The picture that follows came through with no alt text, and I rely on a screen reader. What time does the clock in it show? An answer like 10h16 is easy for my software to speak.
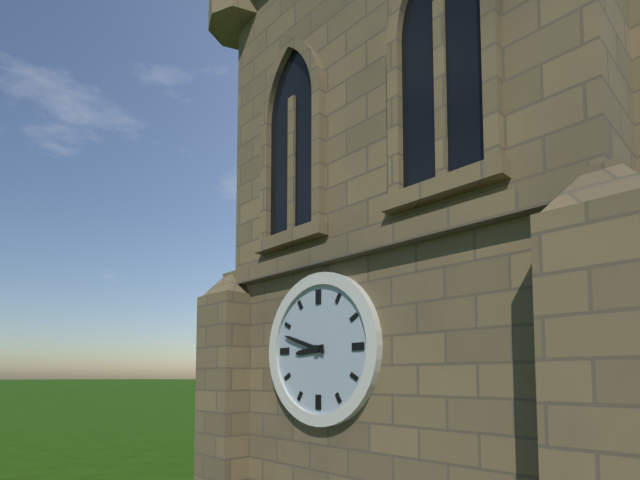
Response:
8h48
